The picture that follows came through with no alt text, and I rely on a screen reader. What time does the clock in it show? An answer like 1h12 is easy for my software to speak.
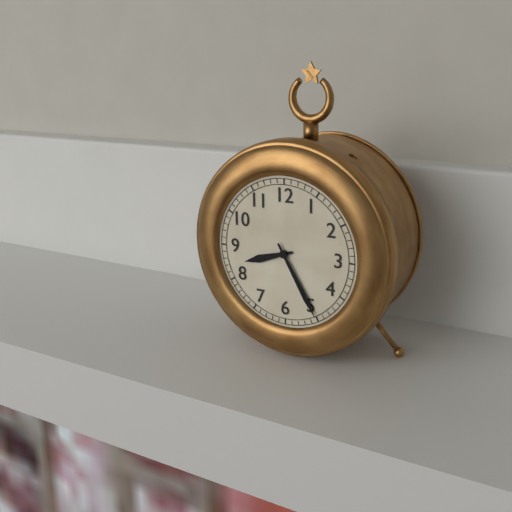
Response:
8h25
